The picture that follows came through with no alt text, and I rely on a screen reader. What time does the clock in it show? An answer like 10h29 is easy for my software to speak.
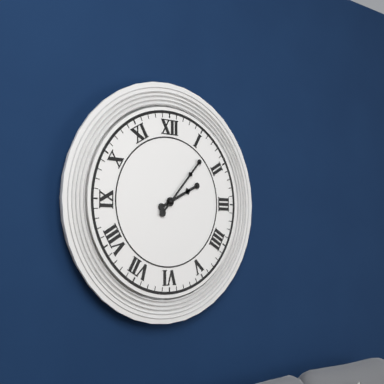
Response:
2h07
